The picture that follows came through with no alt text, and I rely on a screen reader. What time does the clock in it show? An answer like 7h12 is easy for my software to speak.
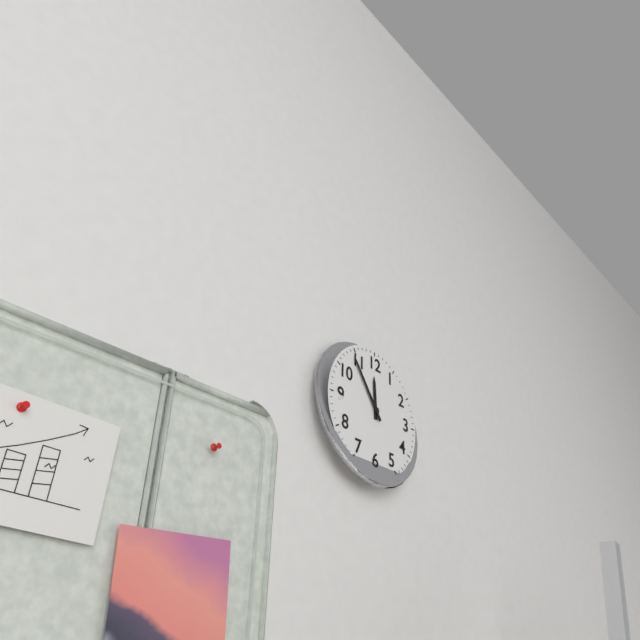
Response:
11h54
